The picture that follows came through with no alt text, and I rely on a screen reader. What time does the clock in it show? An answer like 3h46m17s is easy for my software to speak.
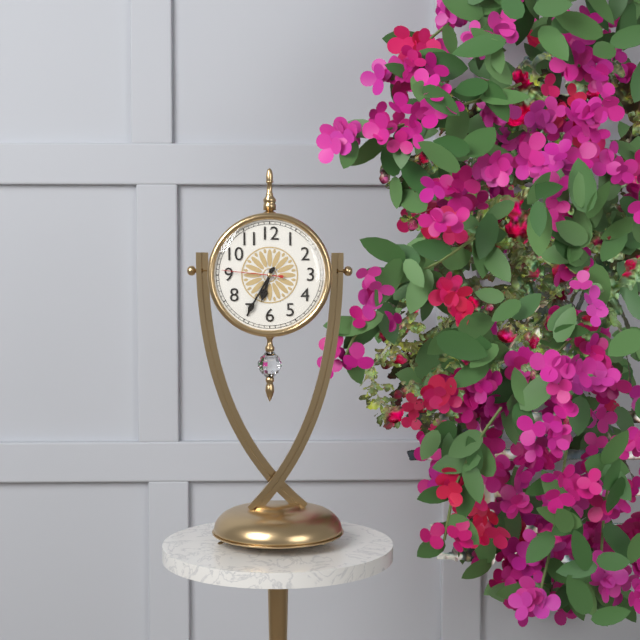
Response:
6h35m46s
